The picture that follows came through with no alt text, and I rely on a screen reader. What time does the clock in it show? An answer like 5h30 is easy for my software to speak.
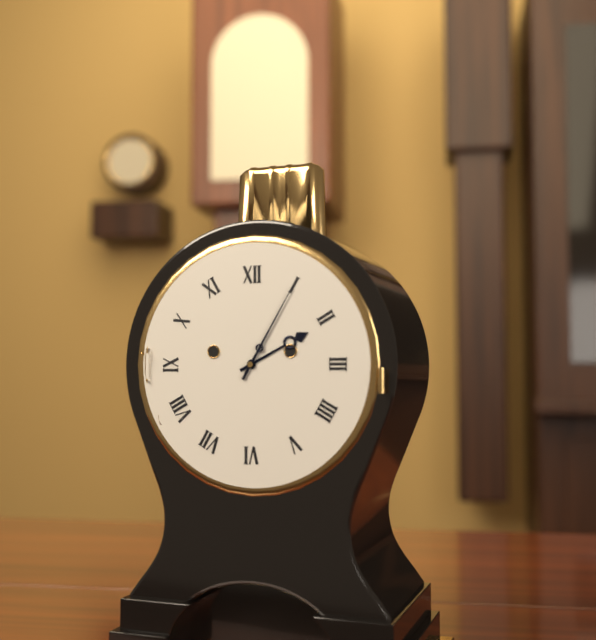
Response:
2h05
